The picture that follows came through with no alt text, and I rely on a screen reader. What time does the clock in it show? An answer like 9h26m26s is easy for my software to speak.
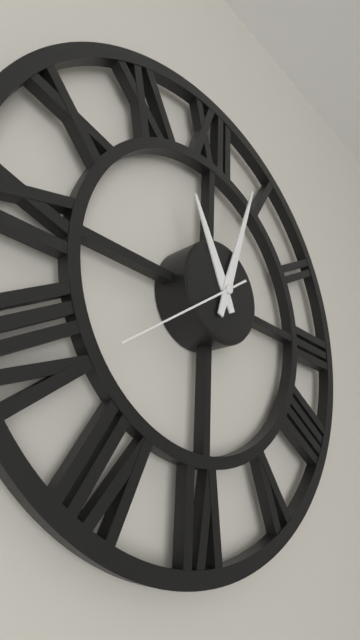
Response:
11h03m39s
